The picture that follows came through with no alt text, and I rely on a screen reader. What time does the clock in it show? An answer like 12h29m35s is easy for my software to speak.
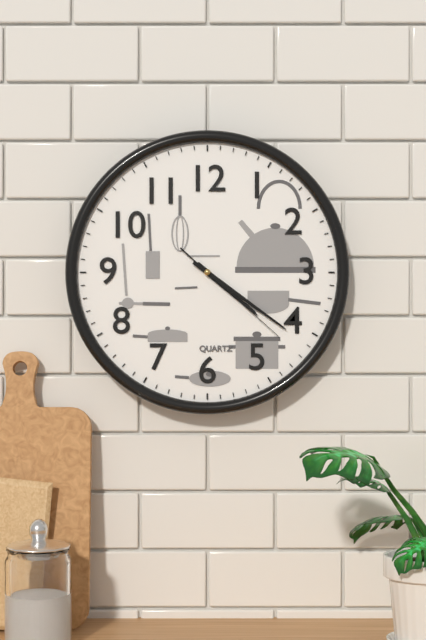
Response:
4h21m22s
